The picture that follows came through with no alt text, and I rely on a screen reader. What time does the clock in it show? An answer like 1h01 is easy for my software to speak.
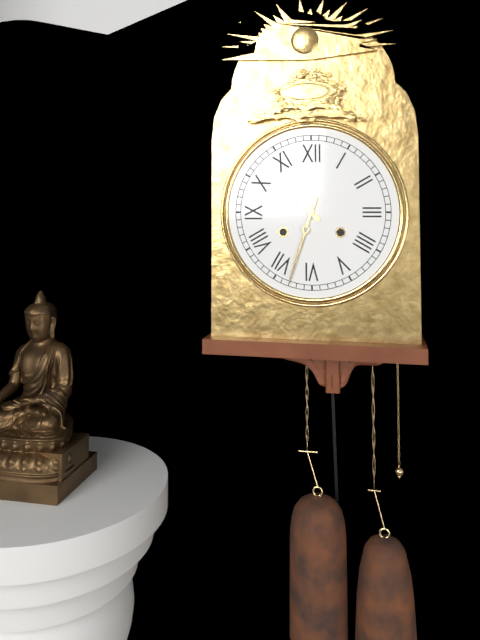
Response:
10h33
